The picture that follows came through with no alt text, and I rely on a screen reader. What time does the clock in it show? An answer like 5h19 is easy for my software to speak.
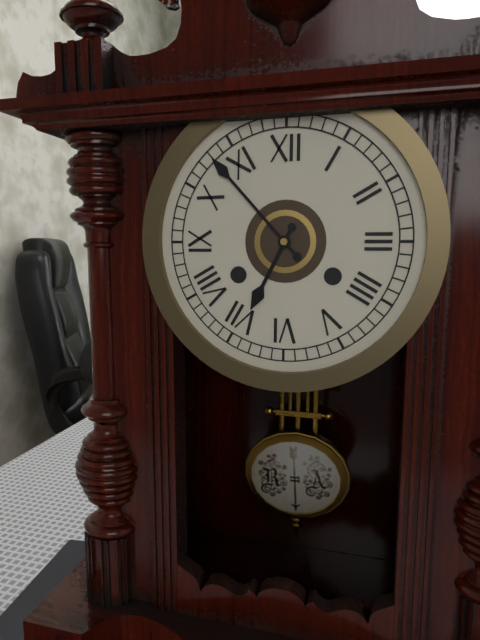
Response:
6h53
